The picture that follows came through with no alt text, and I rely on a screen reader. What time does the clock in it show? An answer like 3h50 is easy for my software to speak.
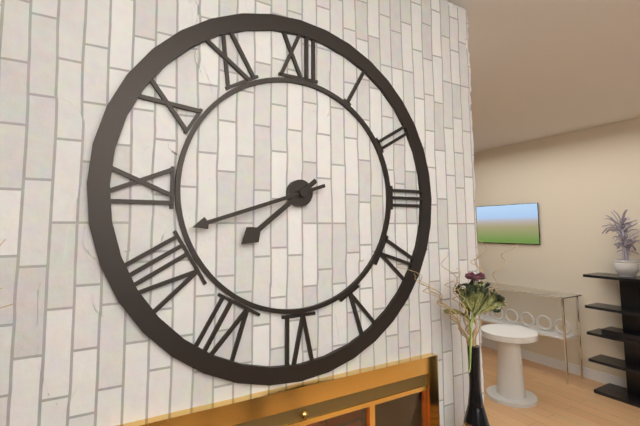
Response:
7h42
